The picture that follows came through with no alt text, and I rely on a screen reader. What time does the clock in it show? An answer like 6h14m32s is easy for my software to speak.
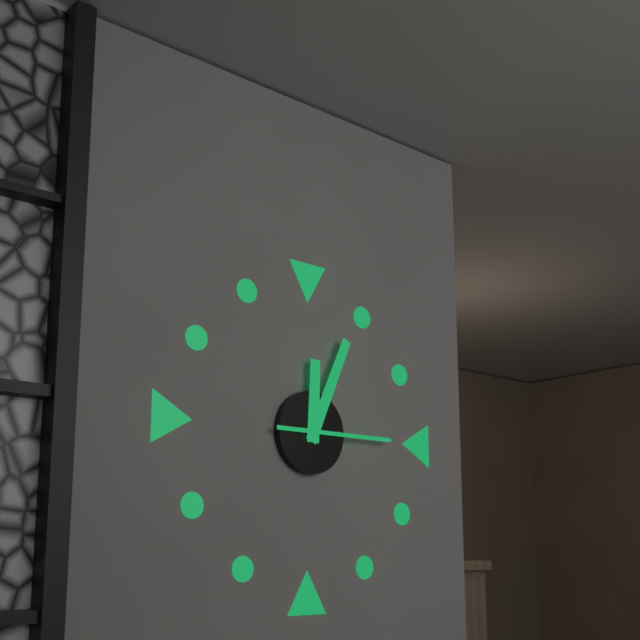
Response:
12h04m15s
